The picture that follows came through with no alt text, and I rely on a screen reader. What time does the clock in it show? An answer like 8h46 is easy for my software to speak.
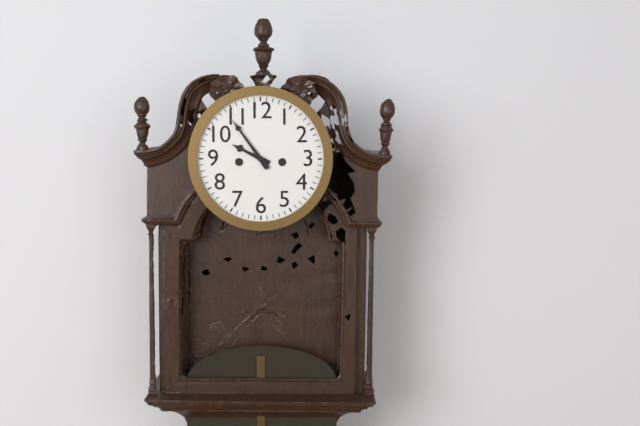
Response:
9h54
